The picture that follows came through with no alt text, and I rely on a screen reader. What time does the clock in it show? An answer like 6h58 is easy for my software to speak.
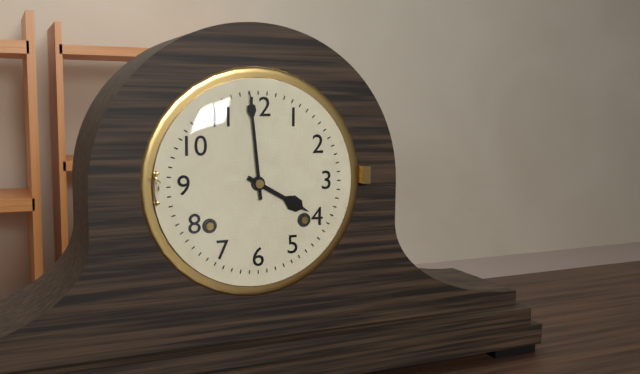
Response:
3h59
